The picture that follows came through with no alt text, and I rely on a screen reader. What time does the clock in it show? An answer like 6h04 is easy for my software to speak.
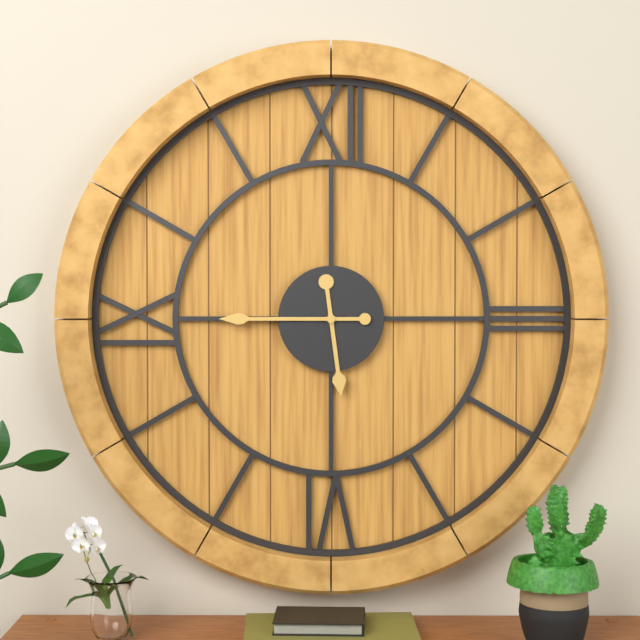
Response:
5h45
